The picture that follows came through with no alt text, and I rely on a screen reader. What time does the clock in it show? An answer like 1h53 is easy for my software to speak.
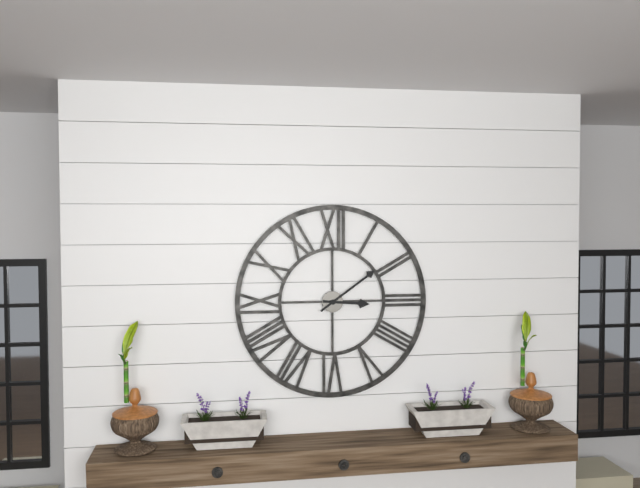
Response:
3h09
